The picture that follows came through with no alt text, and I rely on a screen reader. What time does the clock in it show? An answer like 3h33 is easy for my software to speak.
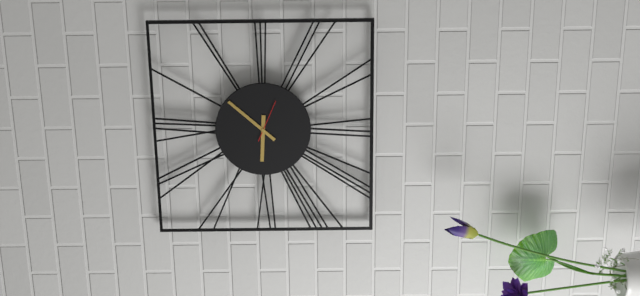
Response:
9h07
